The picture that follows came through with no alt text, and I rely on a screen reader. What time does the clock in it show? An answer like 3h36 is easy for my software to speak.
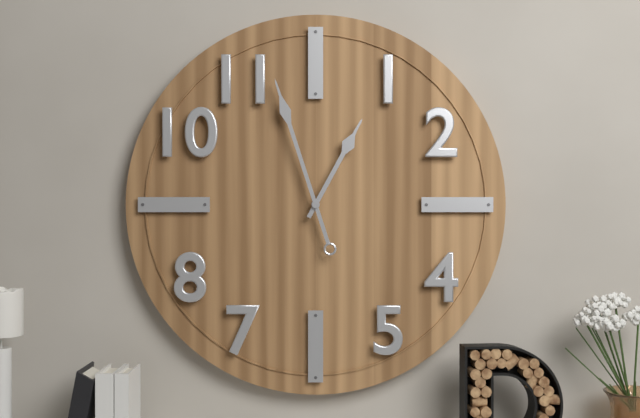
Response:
12h57
